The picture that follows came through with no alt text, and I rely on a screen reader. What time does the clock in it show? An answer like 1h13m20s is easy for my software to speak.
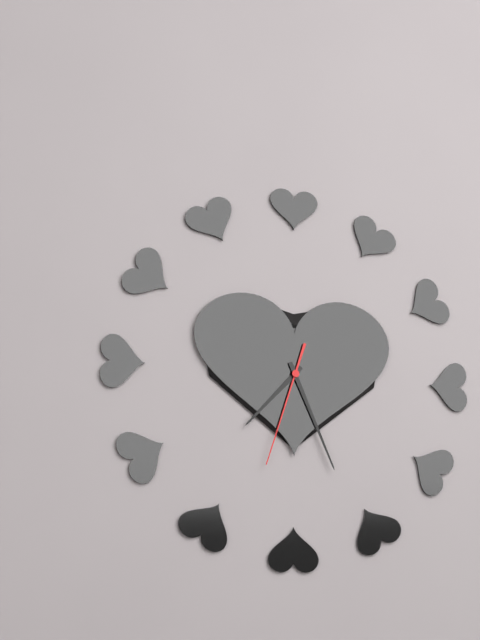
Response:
7h26m33s
